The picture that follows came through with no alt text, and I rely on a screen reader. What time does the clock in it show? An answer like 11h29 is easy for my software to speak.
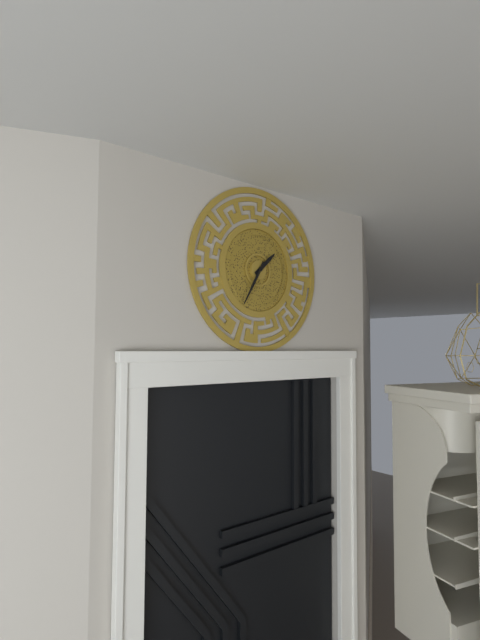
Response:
1h35
